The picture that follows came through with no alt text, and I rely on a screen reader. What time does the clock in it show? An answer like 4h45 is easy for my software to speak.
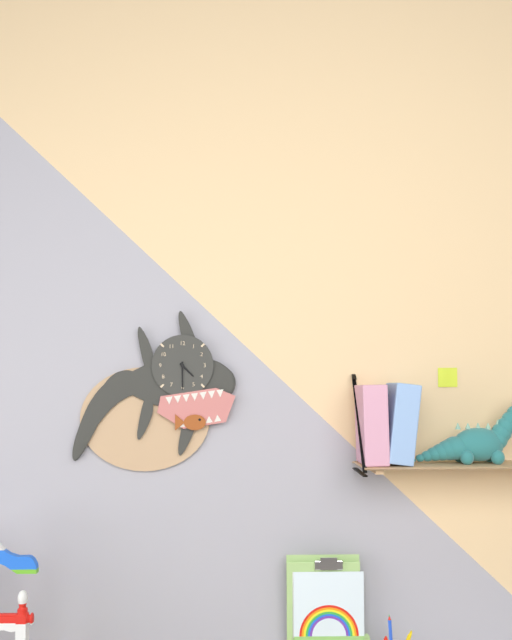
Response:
4h30
